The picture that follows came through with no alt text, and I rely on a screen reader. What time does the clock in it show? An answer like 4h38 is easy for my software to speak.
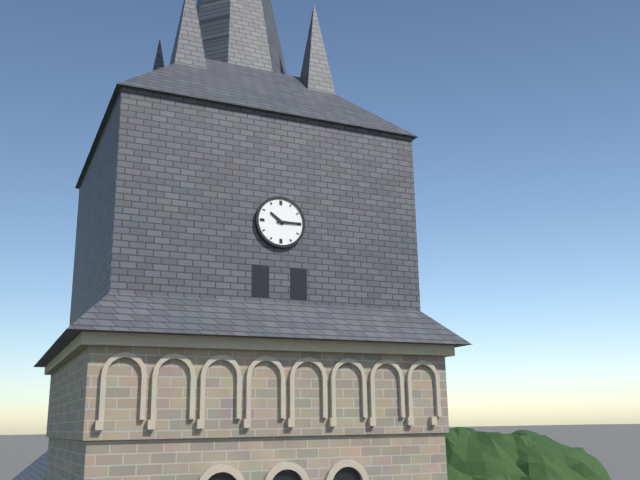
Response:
10h15
